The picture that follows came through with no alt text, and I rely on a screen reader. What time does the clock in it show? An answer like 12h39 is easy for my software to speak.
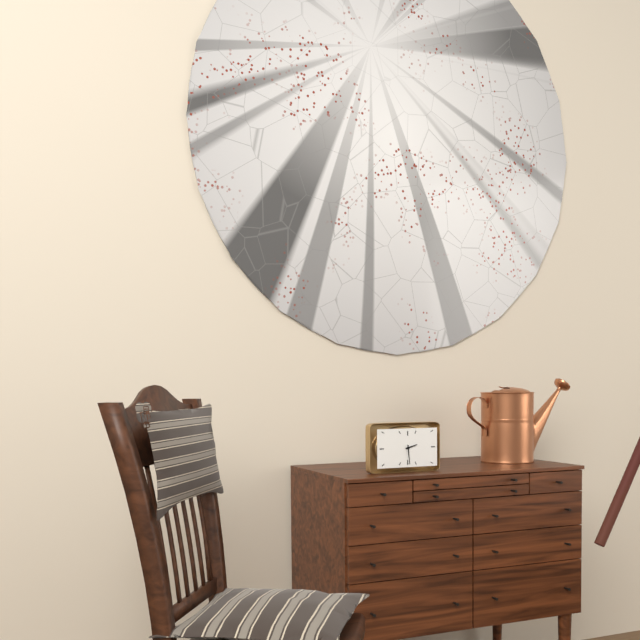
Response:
2h29
